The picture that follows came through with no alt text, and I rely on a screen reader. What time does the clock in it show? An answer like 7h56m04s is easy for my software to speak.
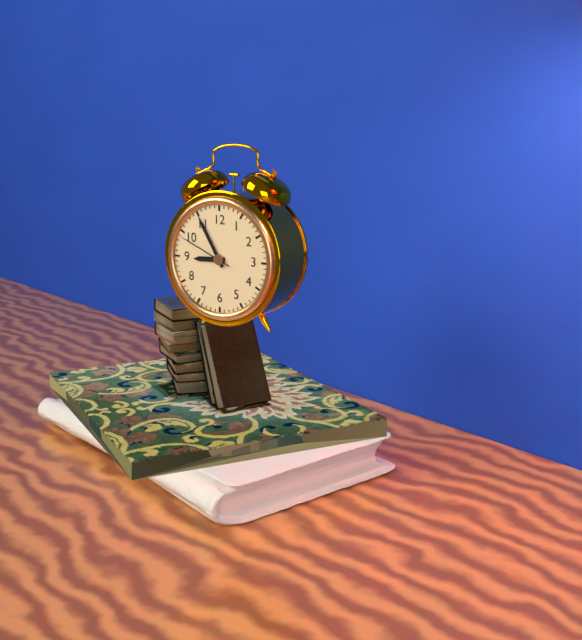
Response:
8h55m49s
